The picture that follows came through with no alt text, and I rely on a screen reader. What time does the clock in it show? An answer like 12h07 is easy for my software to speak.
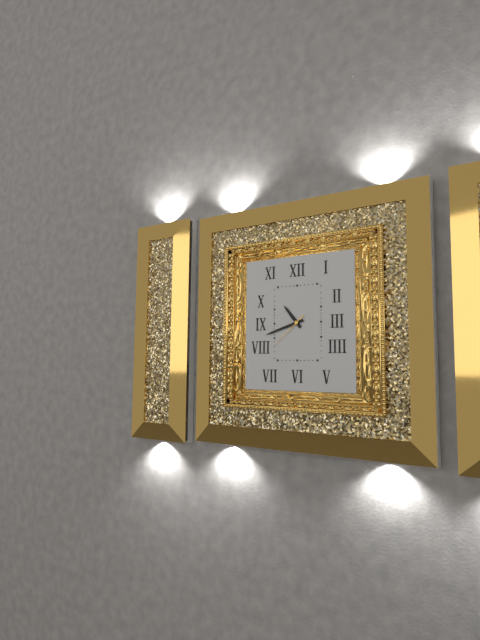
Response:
10h42
